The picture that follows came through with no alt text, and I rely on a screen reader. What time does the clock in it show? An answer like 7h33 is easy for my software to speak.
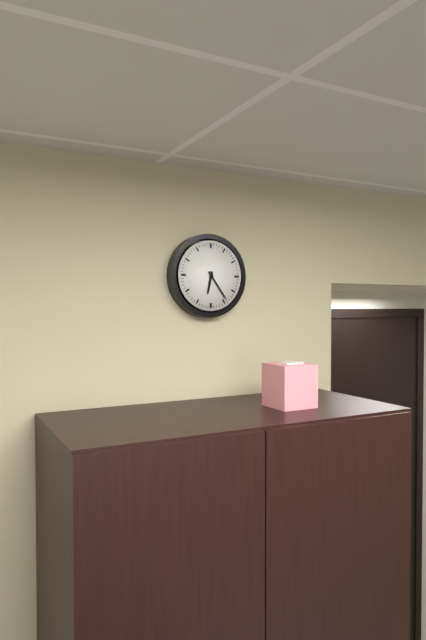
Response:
6h24
